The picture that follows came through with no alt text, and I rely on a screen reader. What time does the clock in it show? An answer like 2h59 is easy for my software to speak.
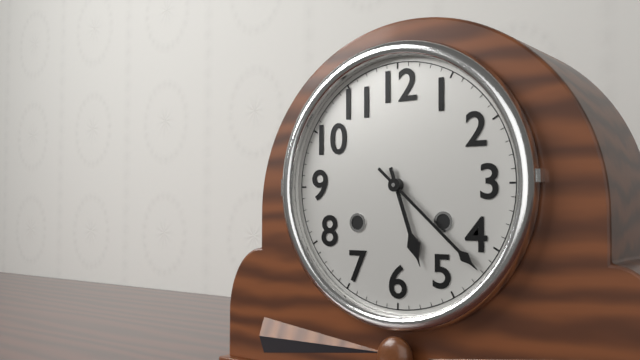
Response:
5h22
